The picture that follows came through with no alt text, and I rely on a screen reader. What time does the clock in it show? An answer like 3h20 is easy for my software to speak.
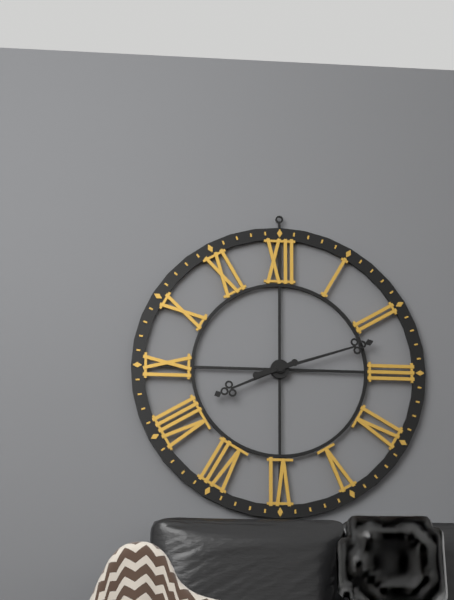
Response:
8h12
